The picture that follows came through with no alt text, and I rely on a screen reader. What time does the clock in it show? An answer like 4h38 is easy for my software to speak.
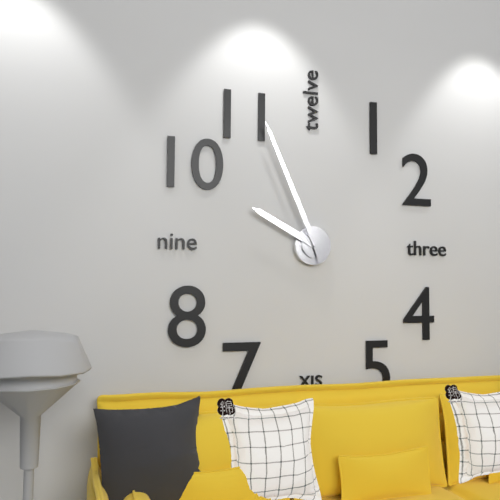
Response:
9h56
